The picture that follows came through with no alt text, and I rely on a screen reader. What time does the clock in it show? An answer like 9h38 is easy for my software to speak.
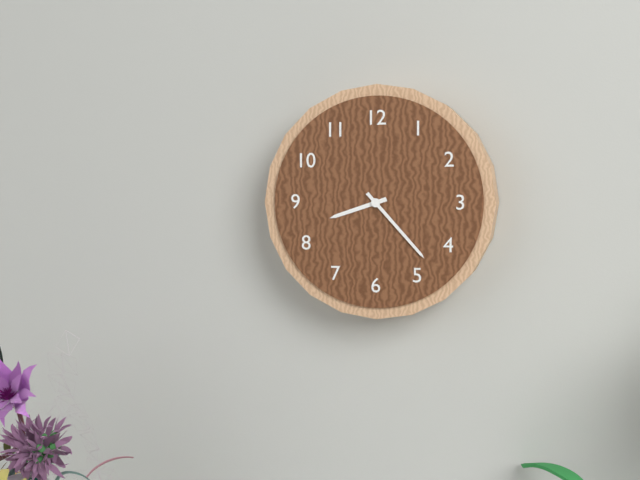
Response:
8h23
